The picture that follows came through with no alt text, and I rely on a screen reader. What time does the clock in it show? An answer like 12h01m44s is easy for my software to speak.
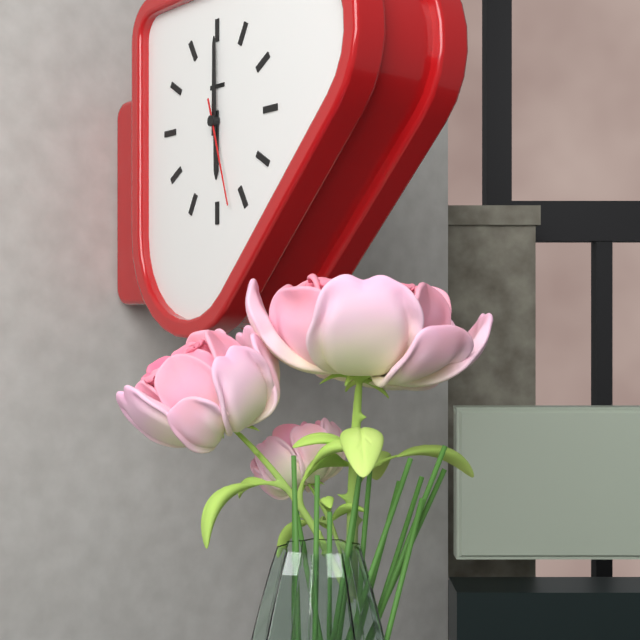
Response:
6h00m27s
